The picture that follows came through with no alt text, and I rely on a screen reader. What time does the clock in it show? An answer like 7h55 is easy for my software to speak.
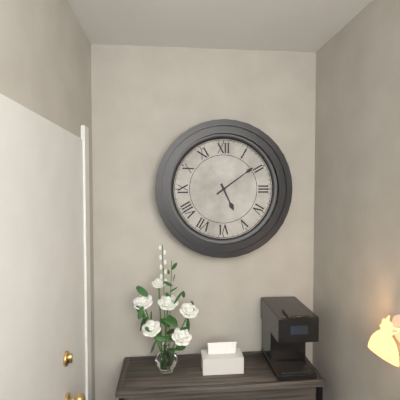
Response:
5h09
